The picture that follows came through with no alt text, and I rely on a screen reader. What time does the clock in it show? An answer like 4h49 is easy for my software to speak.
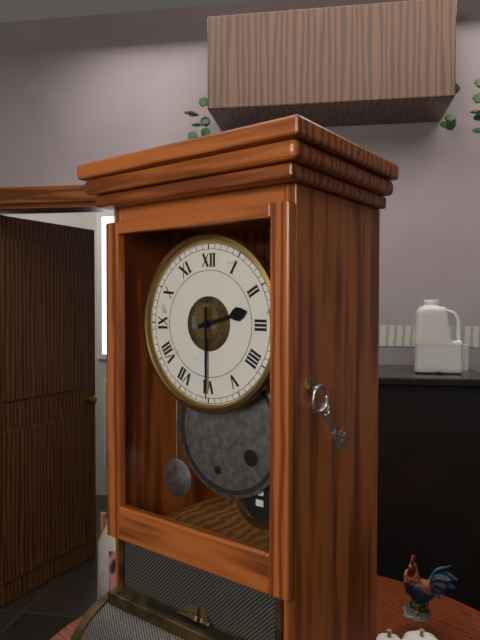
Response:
2h30
